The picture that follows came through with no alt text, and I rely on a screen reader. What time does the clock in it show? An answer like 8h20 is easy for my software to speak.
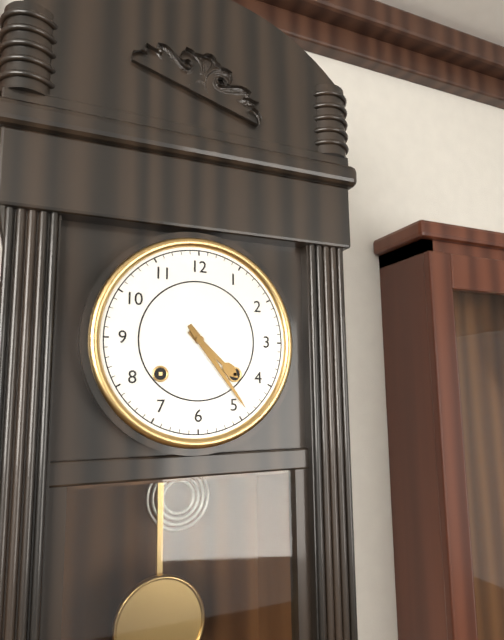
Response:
4h24
